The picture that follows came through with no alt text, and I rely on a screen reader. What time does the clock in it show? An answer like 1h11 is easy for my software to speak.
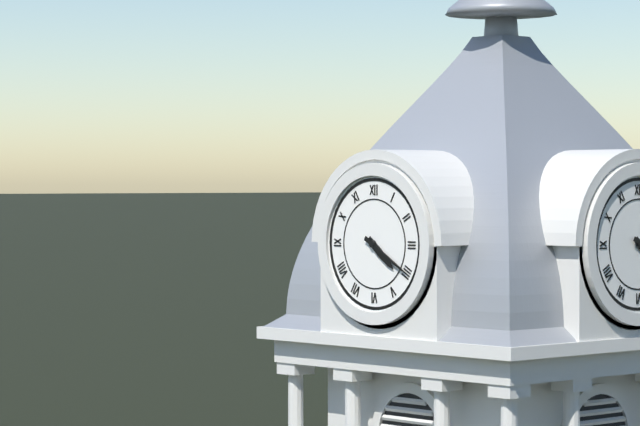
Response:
4h20
